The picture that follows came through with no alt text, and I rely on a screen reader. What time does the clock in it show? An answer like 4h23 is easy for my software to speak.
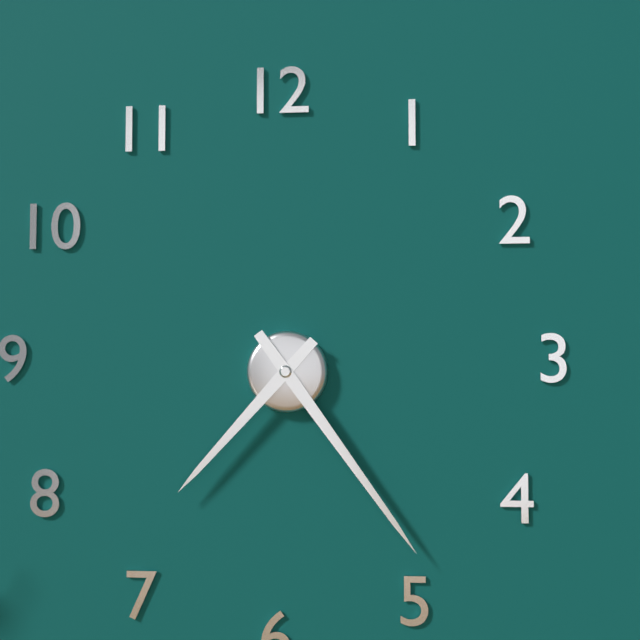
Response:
7h24
